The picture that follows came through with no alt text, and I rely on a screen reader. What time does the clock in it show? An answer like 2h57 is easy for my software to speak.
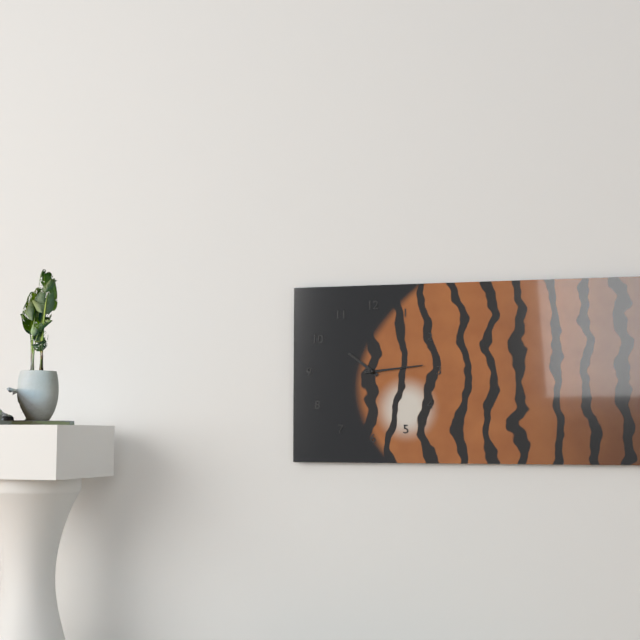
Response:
10h14
